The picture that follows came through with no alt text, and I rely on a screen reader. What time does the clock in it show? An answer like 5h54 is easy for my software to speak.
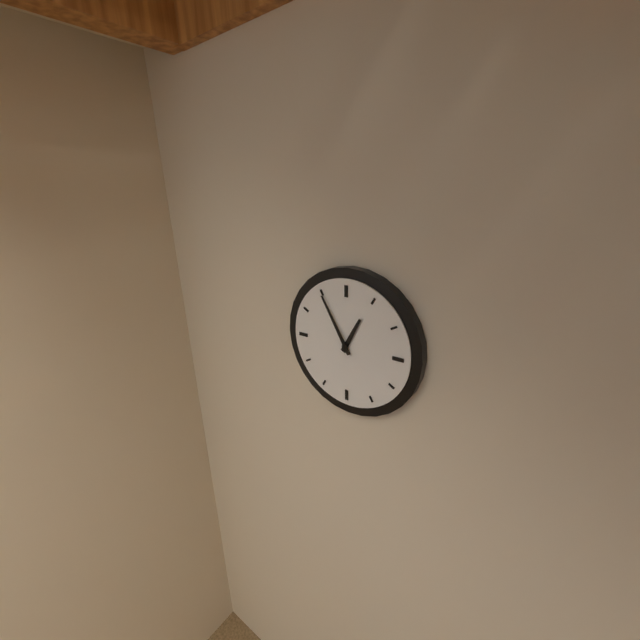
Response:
12h55
